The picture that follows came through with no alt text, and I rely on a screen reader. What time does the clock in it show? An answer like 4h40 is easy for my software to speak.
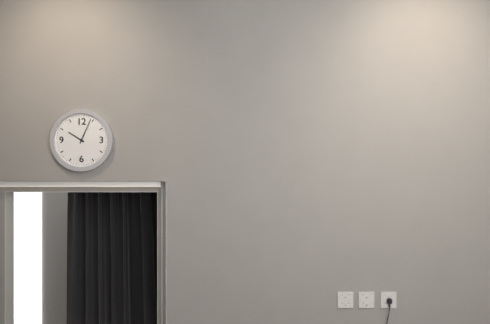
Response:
10h04
